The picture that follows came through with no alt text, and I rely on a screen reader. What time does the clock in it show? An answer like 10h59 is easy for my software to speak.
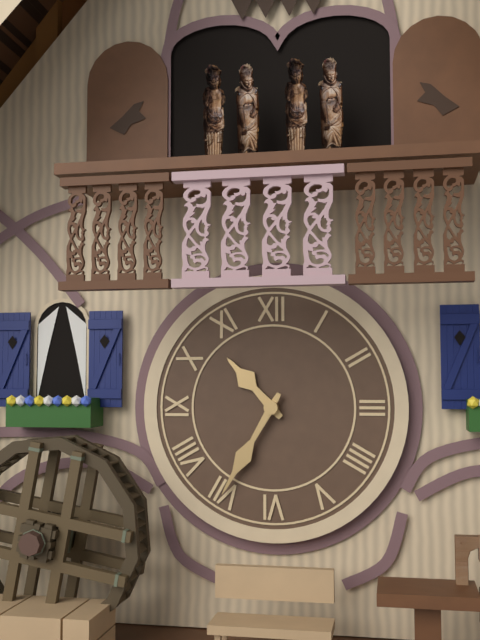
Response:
10h35
